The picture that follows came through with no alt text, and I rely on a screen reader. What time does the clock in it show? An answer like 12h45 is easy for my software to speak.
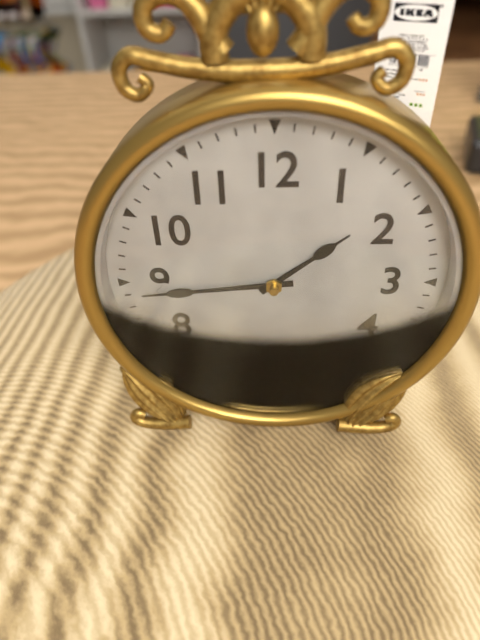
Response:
1h44
